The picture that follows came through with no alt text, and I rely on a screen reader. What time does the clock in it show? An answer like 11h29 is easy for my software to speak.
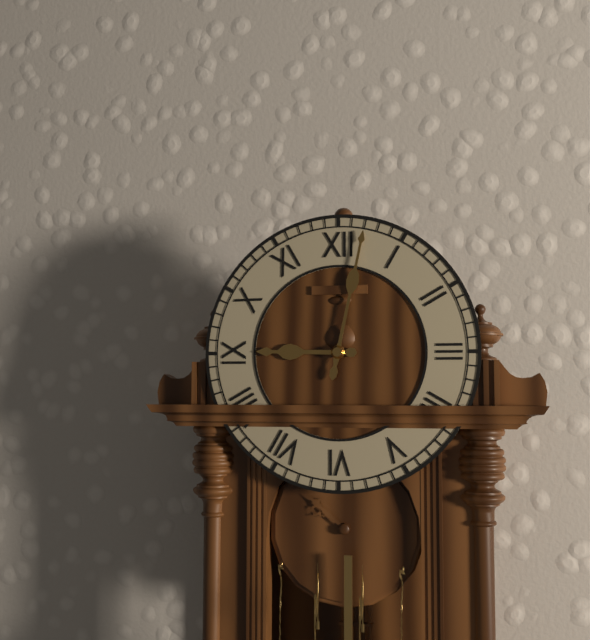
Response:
9h02
